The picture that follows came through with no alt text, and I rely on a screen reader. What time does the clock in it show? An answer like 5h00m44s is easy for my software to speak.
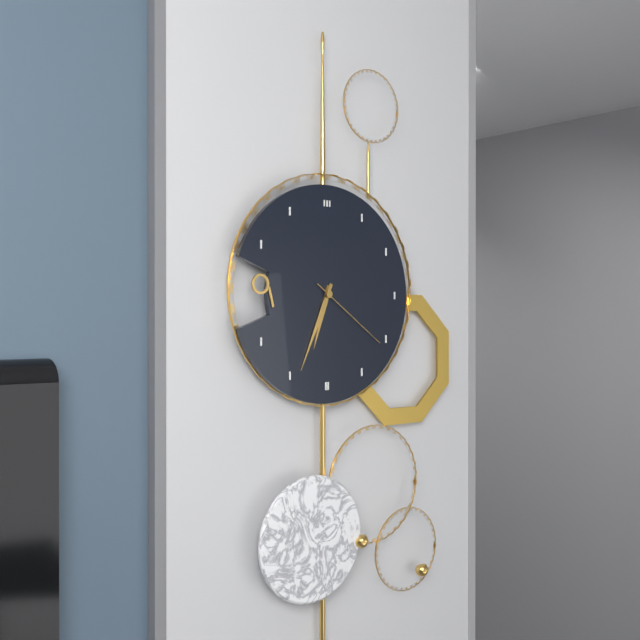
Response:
6h34m21s
